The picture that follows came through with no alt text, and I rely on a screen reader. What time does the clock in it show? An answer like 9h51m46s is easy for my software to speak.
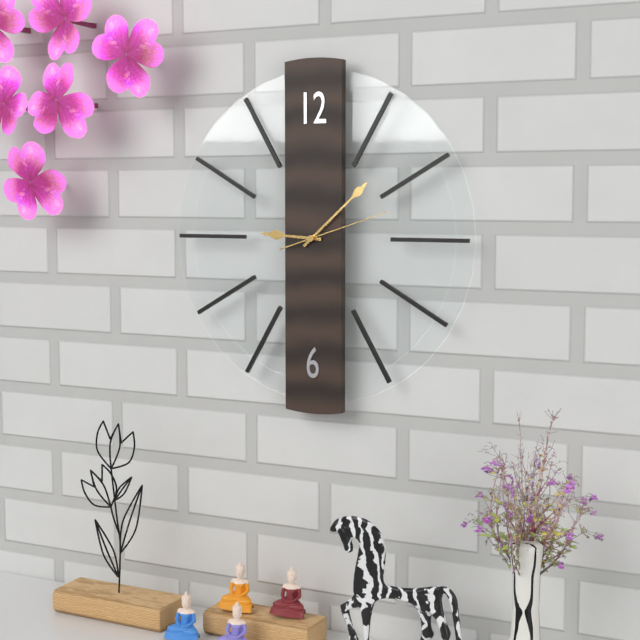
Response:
9h08m12s
